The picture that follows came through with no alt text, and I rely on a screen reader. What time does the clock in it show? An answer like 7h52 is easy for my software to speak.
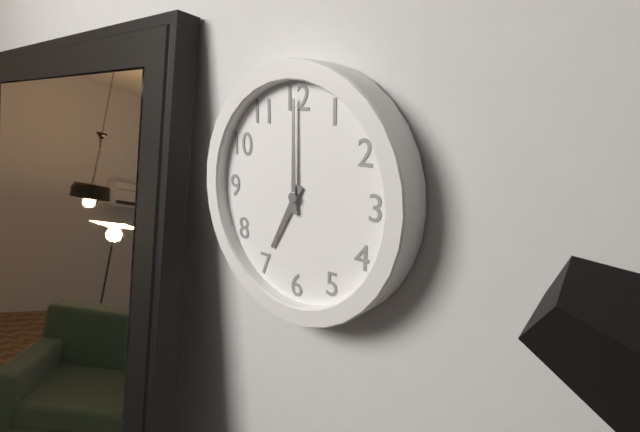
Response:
7h00
